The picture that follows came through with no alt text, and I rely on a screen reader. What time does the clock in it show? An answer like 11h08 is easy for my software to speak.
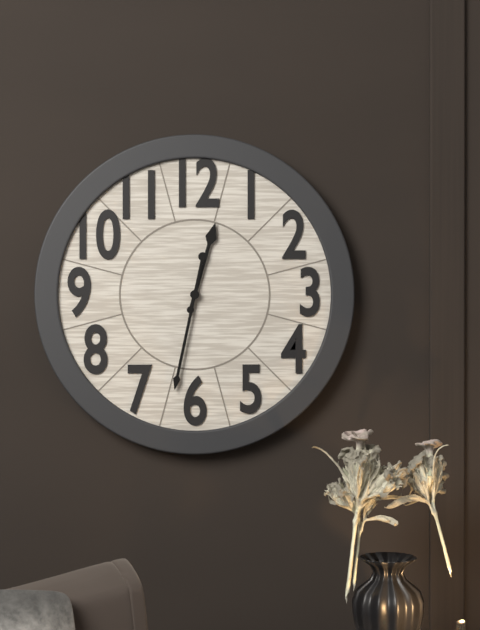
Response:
12h32
